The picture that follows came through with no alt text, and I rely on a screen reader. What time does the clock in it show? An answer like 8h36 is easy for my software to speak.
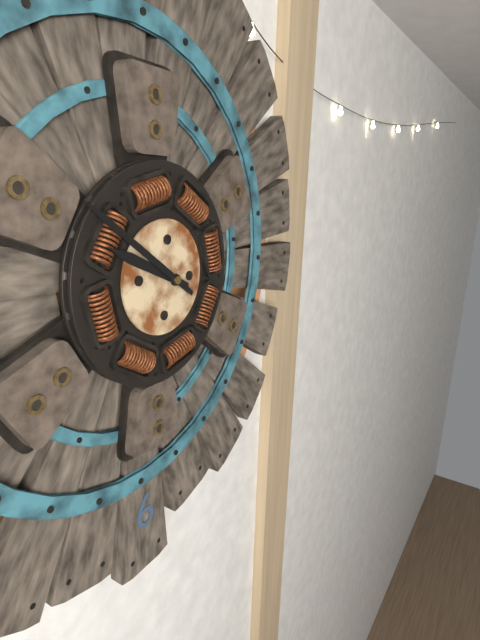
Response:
9h51
